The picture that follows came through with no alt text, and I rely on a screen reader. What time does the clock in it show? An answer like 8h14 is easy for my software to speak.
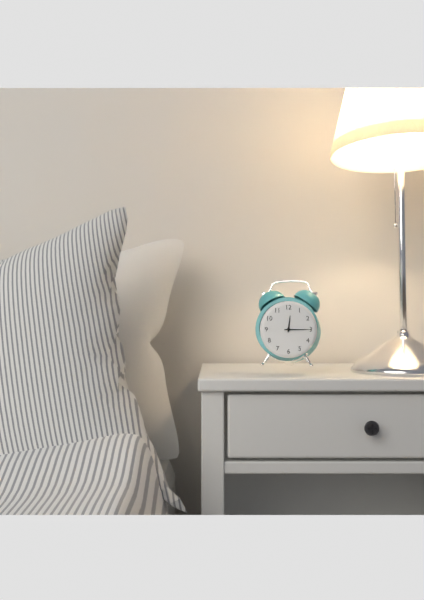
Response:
12h15
